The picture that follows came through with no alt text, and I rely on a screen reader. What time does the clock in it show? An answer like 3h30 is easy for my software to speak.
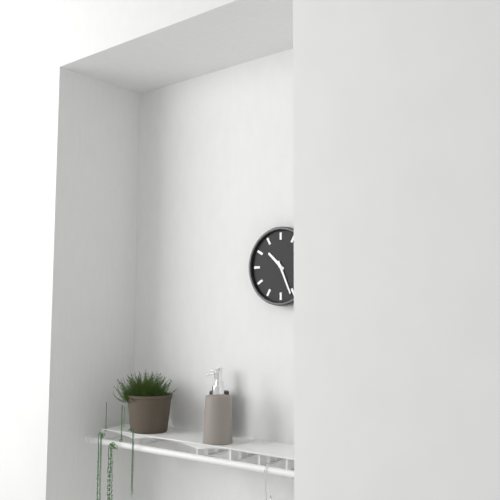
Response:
10h26
